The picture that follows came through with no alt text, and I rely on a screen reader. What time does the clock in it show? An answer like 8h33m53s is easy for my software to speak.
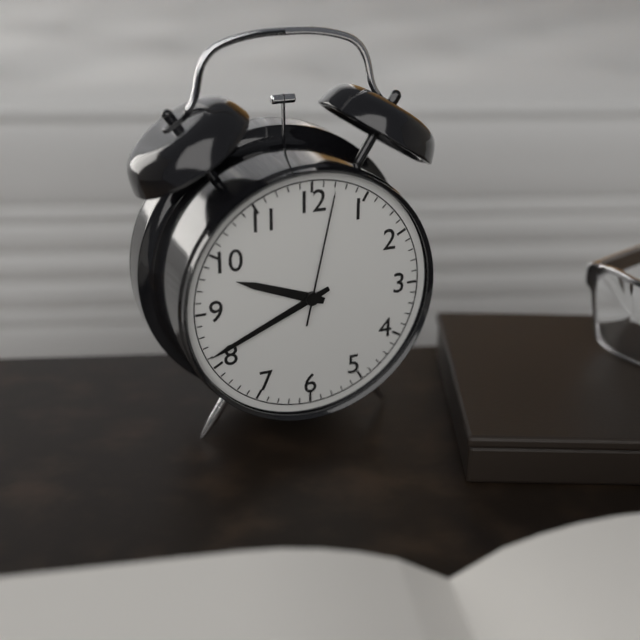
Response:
9h41m02s
